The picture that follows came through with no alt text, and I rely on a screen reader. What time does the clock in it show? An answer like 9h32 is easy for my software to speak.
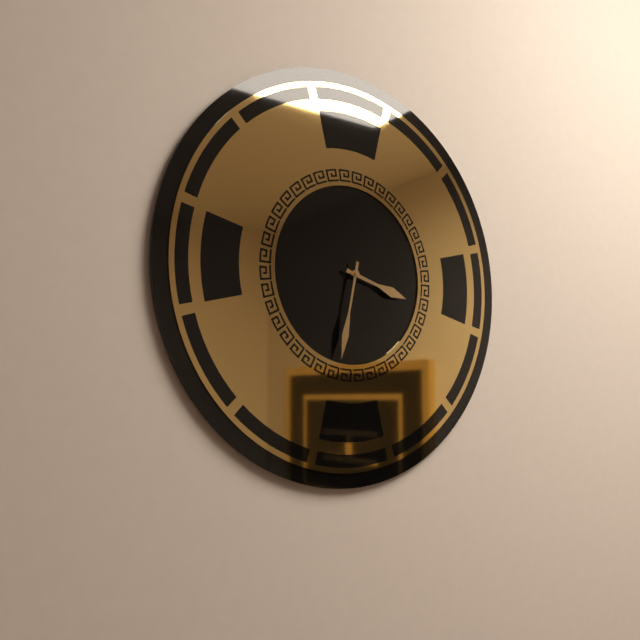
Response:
3h32
